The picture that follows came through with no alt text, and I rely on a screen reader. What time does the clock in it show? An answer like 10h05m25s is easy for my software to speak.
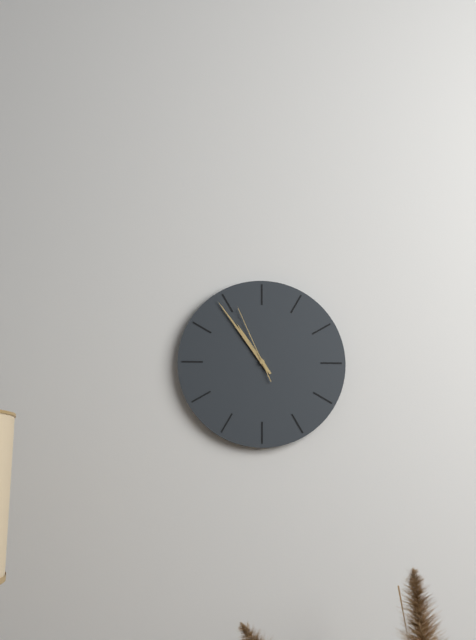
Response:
10h54m56s
